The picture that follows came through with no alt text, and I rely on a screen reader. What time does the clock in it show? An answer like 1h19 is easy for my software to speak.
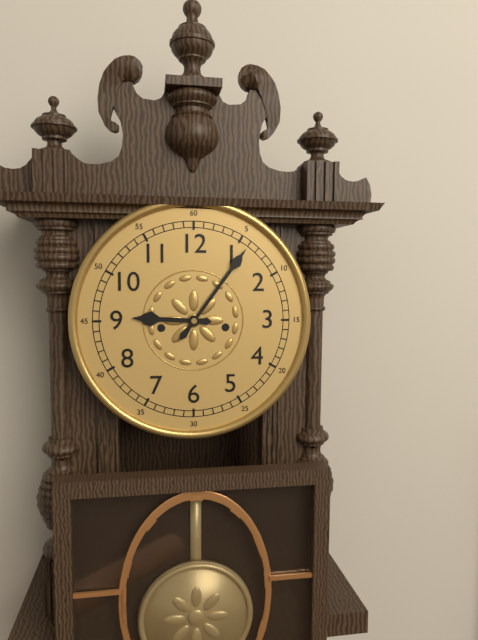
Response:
9h06
